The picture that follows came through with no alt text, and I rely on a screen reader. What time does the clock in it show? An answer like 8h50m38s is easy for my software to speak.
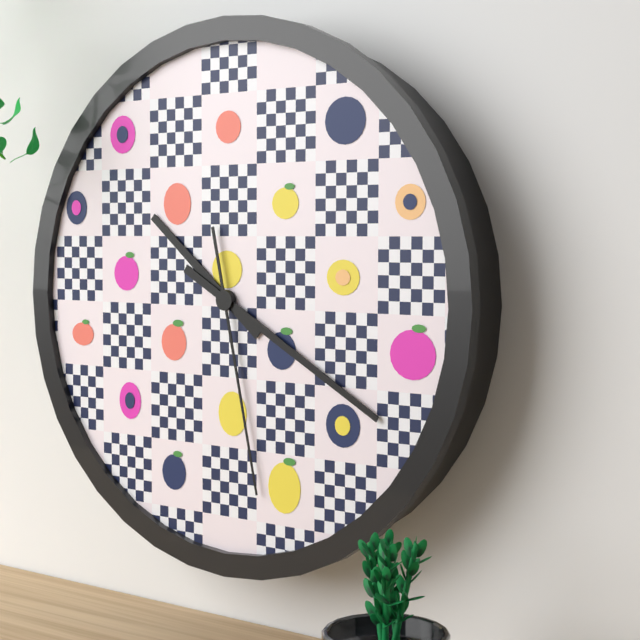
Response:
10h20m28s
